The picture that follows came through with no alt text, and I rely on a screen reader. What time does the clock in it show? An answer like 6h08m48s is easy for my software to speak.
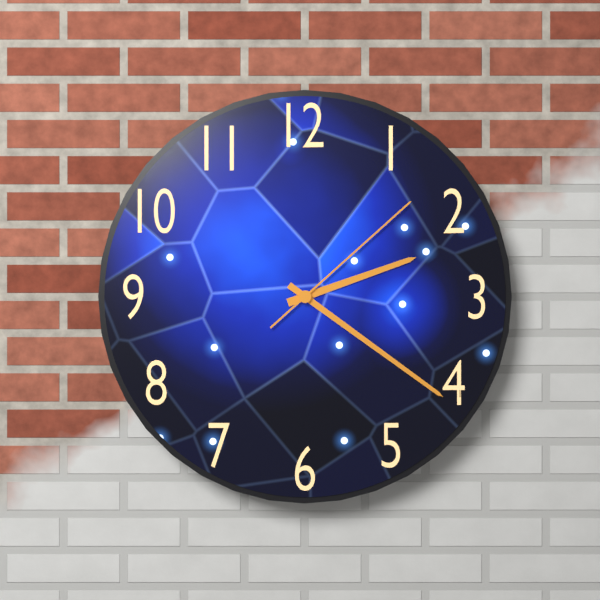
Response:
2h21m08s
